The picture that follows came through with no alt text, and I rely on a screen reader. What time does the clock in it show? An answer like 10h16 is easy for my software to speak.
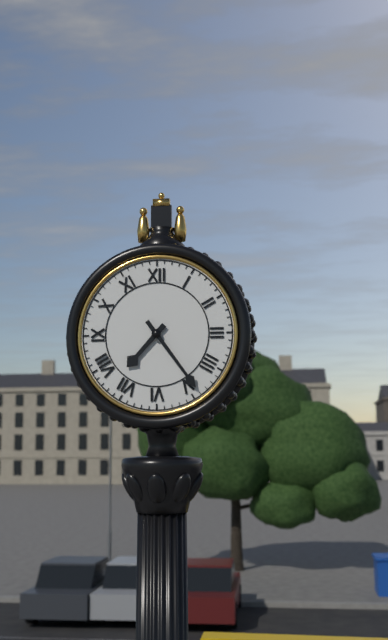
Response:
7h24
